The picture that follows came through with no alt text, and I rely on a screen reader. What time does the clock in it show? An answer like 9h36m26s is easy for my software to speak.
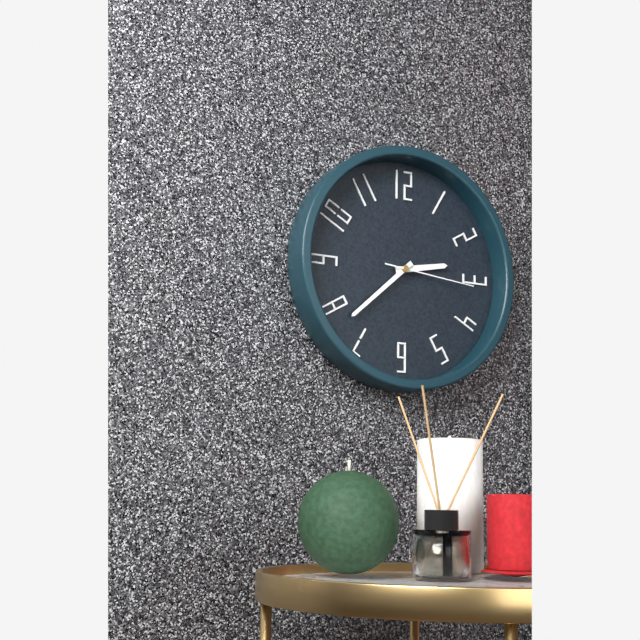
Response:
2h38m16s
